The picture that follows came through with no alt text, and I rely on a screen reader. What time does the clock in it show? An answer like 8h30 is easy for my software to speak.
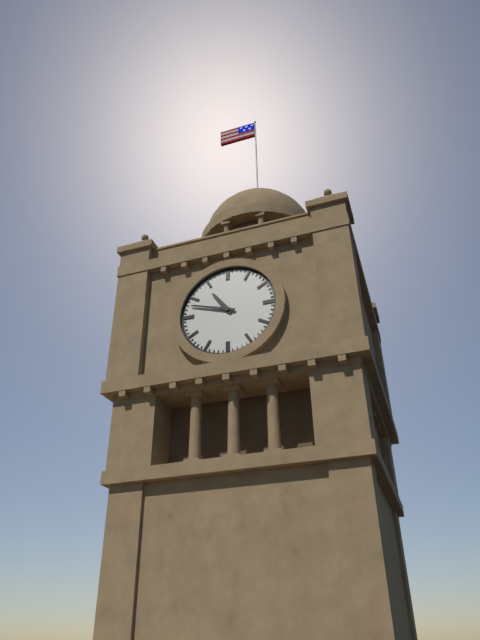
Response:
10h48
